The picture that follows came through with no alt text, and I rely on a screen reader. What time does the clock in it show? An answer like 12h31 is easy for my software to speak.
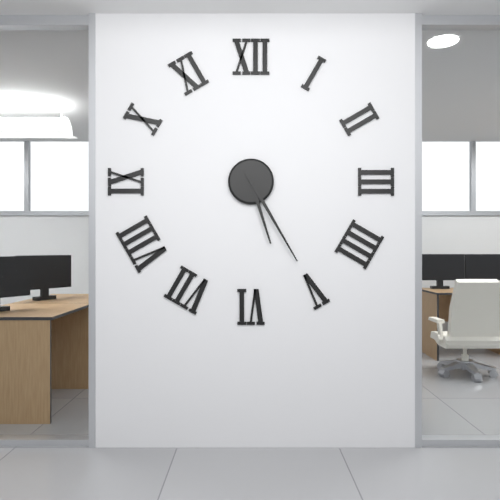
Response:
5h25
